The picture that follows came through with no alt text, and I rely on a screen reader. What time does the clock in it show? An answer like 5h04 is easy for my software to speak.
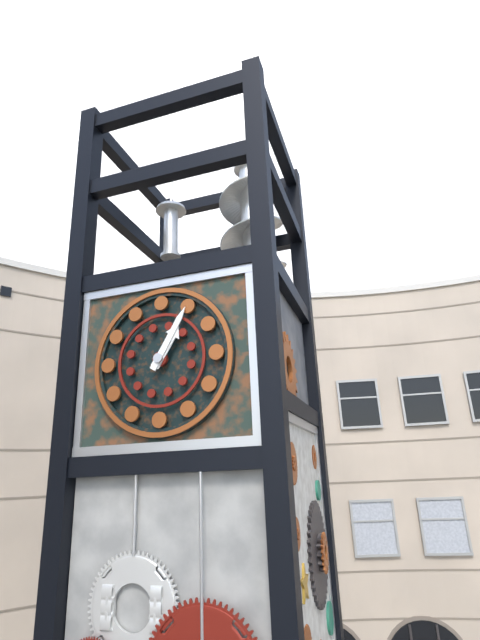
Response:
1h05
